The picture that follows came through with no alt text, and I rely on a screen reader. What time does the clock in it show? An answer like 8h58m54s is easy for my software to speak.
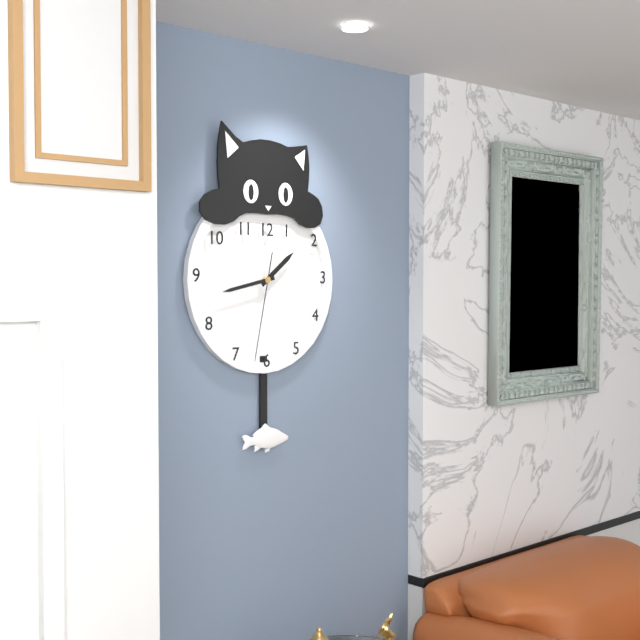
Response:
1h43m32s
